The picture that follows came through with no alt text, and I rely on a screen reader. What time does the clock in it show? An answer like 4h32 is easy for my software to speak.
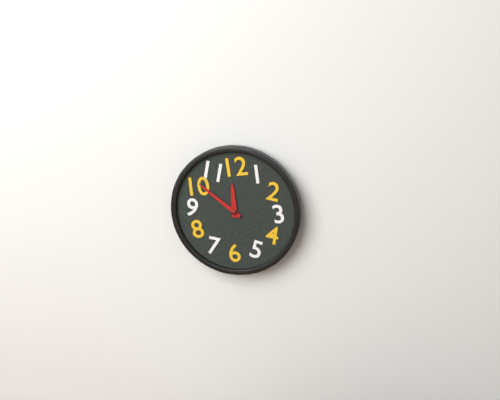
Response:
11h51
